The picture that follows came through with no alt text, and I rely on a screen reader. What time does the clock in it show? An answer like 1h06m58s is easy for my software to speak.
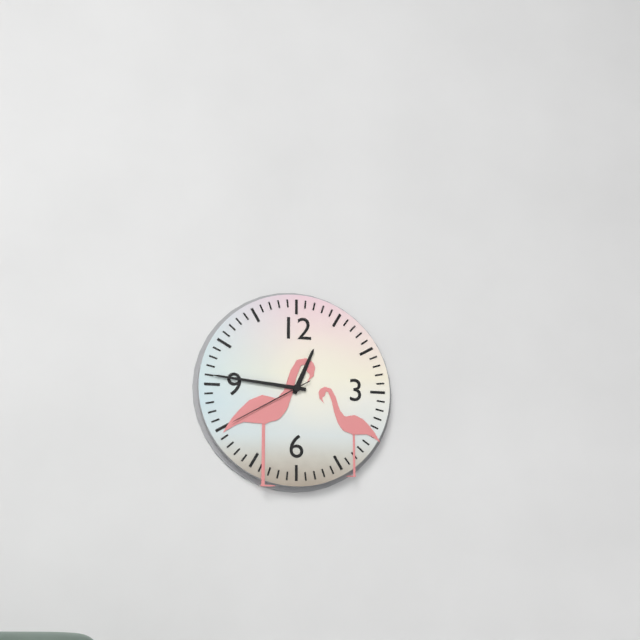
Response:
12h46m40s
